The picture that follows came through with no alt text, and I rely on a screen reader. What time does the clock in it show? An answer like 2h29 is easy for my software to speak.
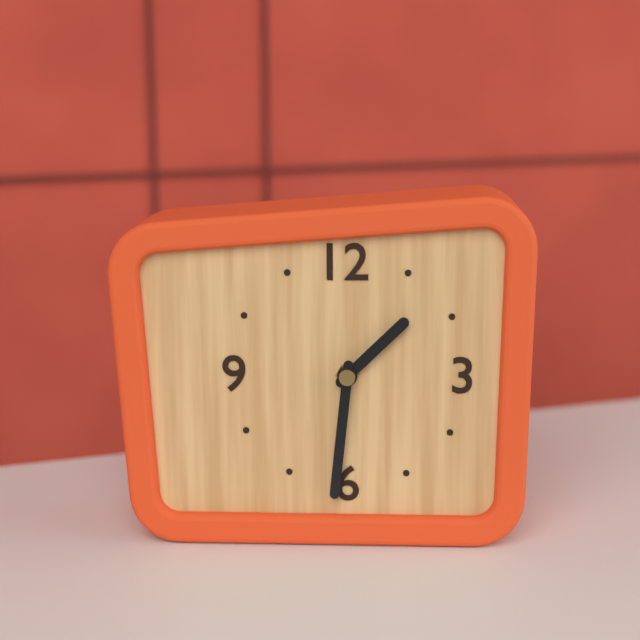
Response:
1h31
